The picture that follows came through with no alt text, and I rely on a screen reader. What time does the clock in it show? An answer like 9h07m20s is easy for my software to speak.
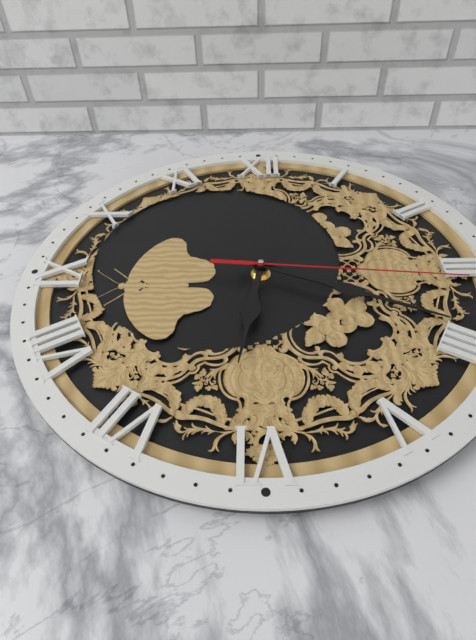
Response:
6h19m16s
